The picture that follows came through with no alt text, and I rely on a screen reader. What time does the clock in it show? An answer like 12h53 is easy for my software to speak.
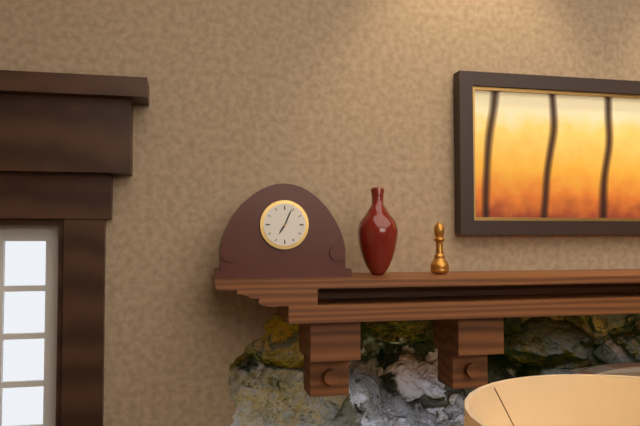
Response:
7h04
